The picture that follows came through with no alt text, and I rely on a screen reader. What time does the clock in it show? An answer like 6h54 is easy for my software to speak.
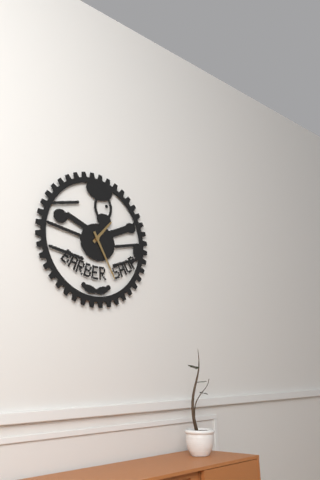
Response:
1h25
